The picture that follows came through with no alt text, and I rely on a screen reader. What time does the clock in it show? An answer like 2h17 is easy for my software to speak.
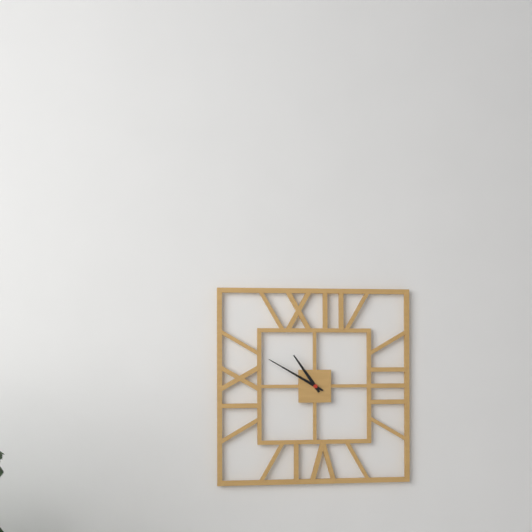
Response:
10h50
